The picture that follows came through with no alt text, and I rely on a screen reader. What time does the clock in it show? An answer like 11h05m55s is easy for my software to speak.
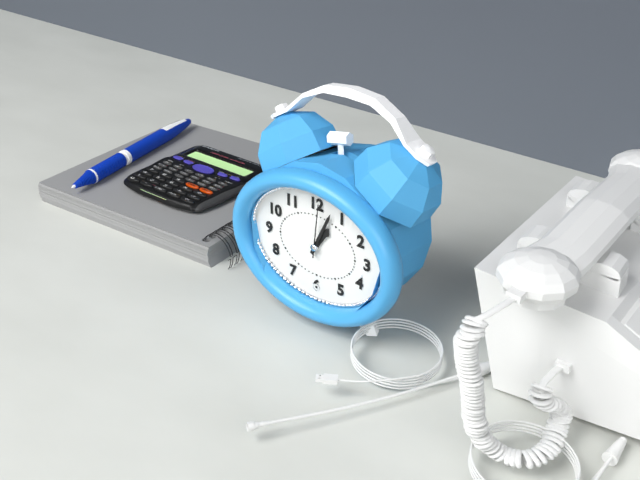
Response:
1h04m01s
